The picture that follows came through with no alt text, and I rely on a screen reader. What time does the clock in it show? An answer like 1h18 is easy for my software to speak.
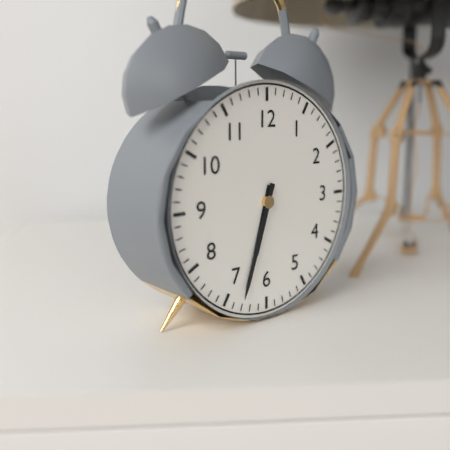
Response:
6h33
